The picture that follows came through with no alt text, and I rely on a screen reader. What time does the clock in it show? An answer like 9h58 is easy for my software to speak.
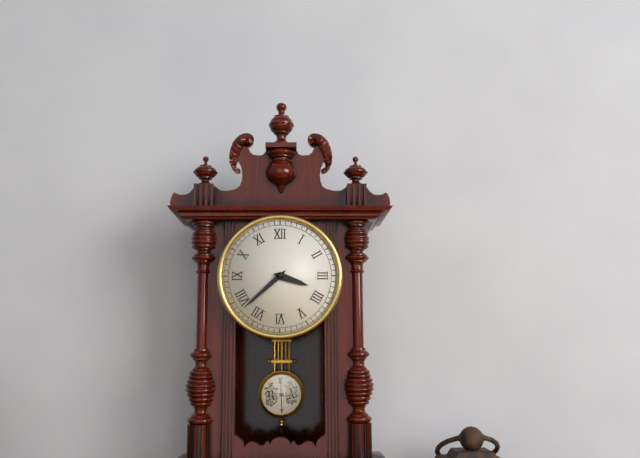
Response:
3h38
